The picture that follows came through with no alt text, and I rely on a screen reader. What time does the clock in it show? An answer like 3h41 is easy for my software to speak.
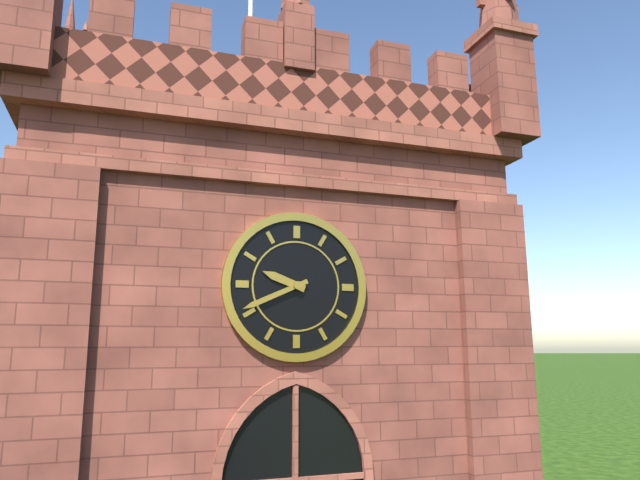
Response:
9h41
